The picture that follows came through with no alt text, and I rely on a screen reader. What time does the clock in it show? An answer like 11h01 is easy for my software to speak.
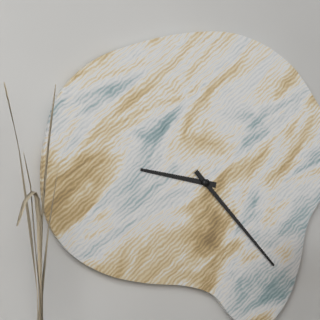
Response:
9h23
